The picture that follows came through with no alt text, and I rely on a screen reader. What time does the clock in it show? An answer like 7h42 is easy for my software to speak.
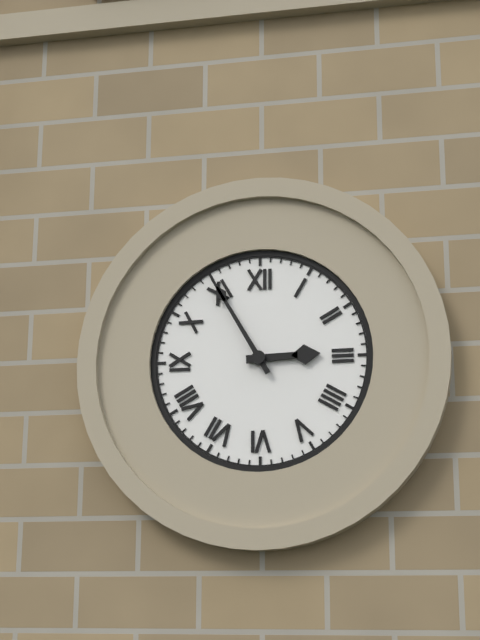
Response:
2h55
